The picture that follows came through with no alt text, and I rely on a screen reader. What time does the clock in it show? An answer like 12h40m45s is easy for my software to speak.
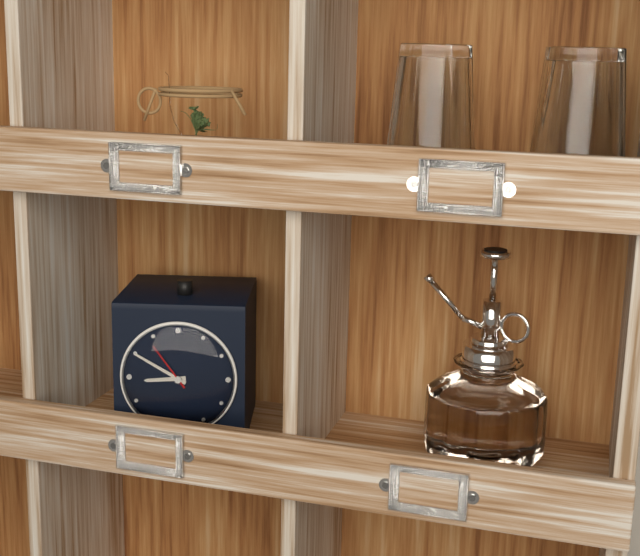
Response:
8h50m54s
